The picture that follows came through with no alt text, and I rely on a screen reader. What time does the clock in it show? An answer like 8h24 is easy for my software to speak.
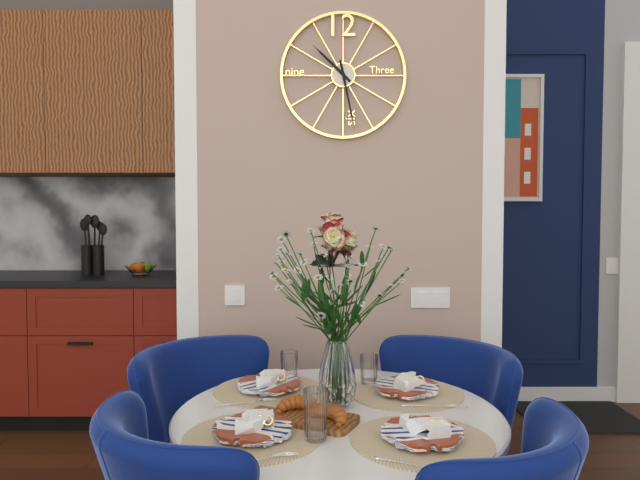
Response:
10h28
